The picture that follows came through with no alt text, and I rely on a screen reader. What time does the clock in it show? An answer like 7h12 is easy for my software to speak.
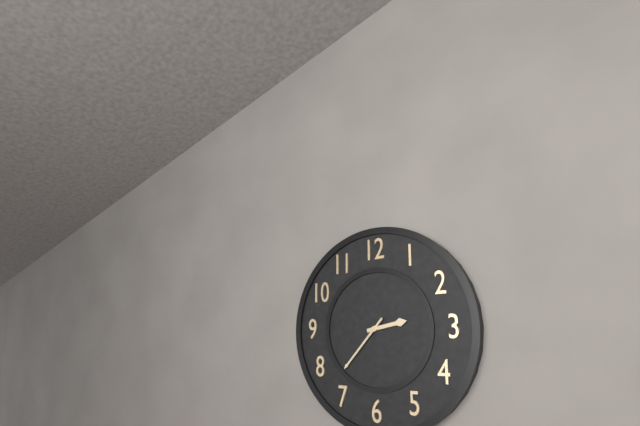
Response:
2h37
